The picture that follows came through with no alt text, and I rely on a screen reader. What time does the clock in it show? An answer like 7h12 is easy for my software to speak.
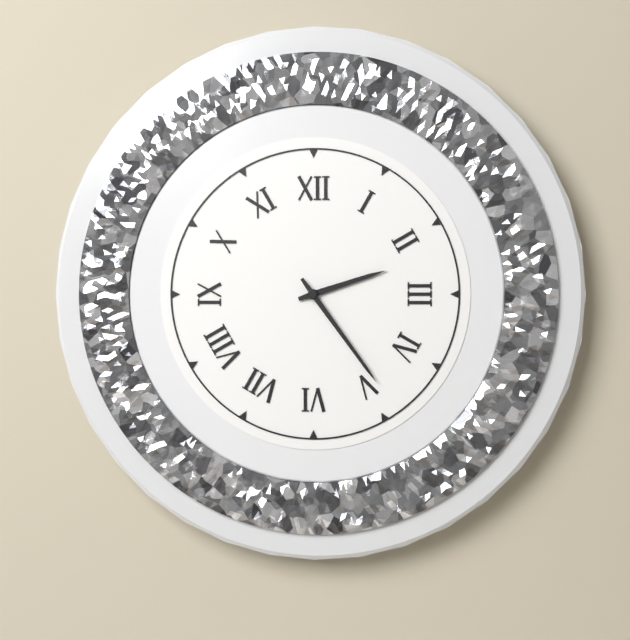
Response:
2h24
